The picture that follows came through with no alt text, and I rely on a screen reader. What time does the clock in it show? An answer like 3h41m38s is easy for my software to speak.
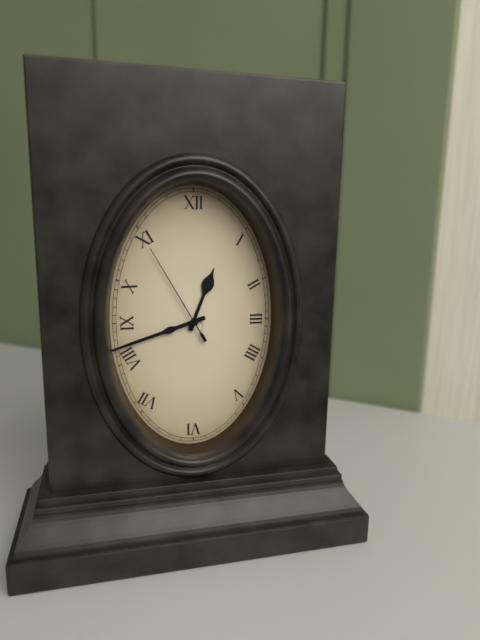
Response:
12h42m55s
